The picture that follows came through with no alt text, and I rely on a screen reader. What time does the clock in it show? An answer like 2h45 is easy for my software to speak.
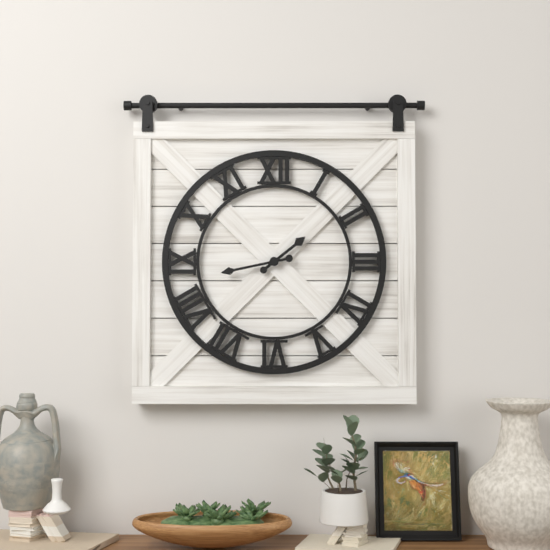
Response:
1h43
